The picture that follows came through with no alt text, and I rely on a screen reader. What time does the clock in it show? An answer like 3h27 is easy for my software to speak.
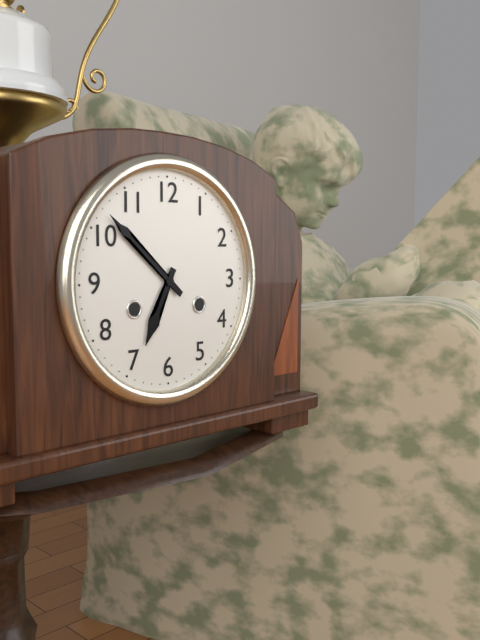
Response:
6h52
